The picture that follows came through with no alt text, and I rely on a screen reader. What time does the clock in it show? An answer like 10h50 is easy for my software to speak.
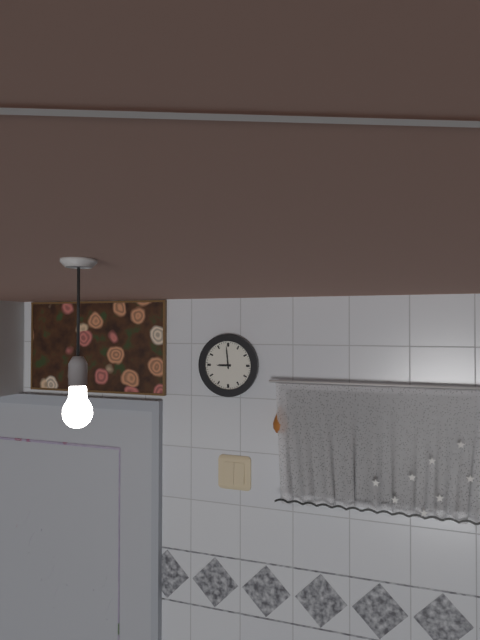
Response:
8h59
